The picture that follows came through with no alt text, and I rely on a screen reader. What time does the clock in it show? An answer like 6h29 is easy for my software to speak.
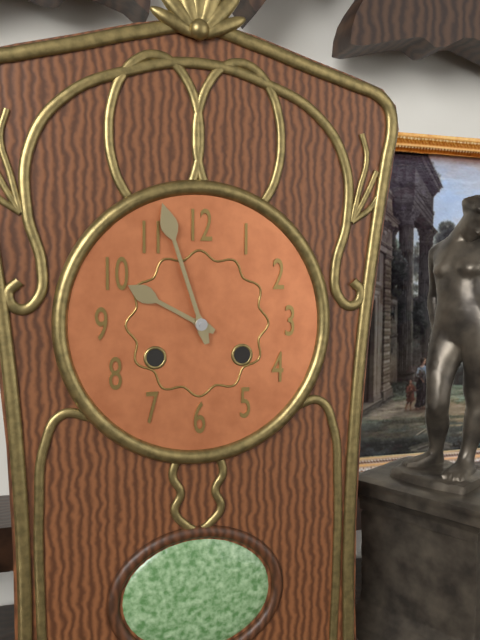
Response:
9h57
